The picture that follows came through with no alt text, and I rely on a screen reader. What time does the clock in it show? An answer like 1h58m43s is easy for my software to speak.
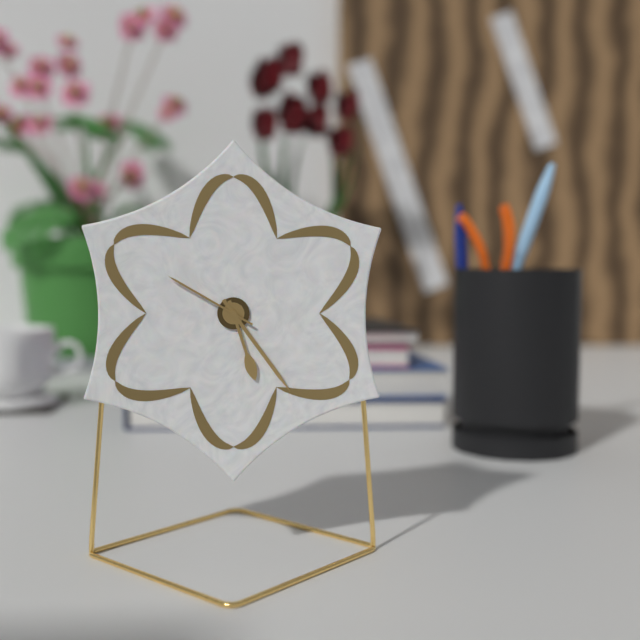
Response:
5h24m50s
